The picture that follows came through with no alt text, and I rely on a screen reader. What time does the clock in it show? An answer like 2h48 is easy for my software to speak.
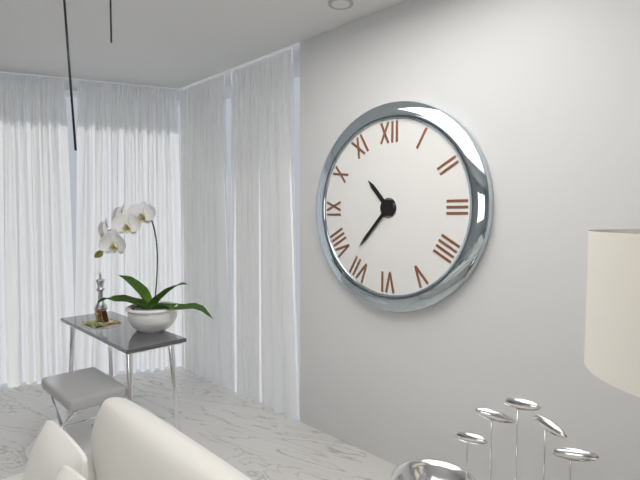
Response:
10h37
